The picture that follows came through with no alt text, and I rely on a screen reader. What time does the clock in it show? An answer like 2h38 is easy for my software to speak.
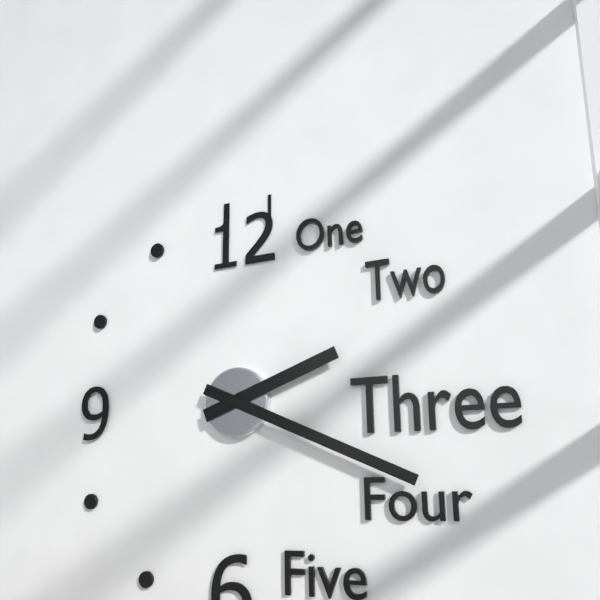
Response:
2h19
